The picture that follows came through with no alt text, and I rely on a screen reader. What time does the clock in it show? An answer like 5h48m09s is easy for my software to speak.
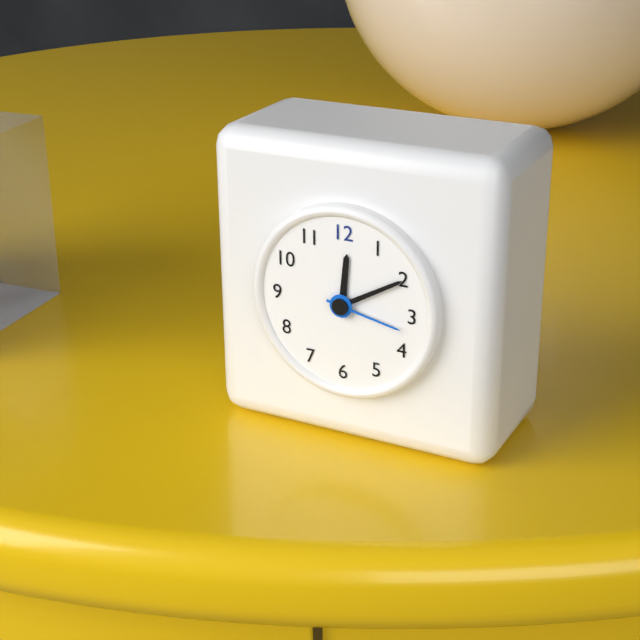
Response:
12h10m17s
